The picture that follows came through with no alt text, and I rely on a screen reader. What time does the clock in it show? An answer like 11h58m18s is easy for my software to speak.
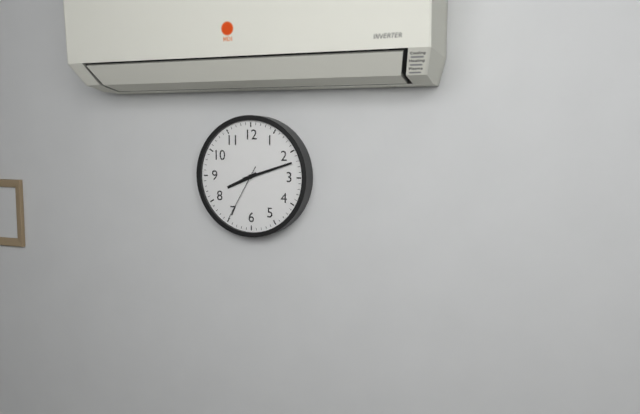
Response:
8h12m35s
